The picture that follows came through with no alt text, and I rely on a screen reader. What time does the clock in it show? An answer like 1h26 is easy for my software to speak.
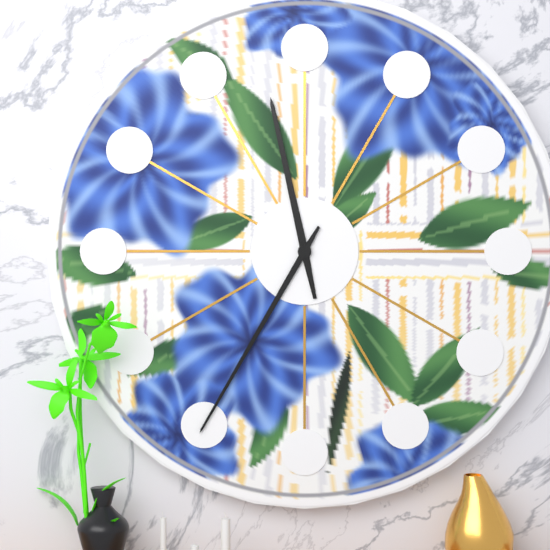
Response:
11h35
